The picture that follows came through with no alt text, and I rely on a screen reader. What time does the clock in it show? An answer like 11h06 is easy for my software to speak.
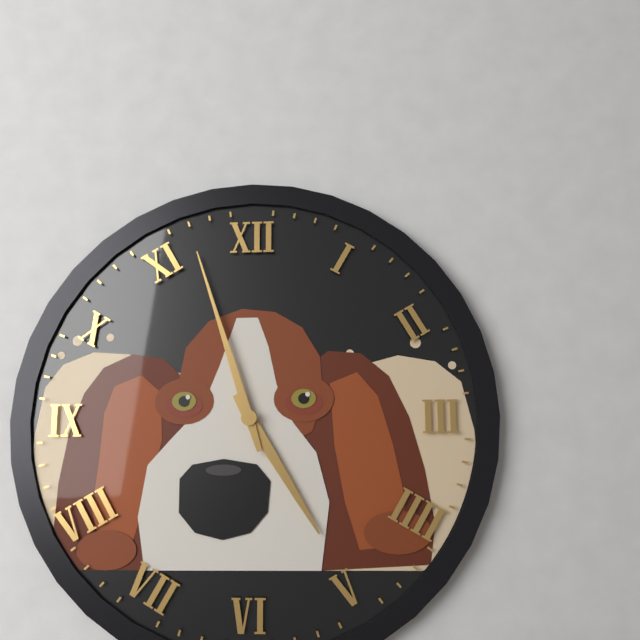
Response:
4h57
